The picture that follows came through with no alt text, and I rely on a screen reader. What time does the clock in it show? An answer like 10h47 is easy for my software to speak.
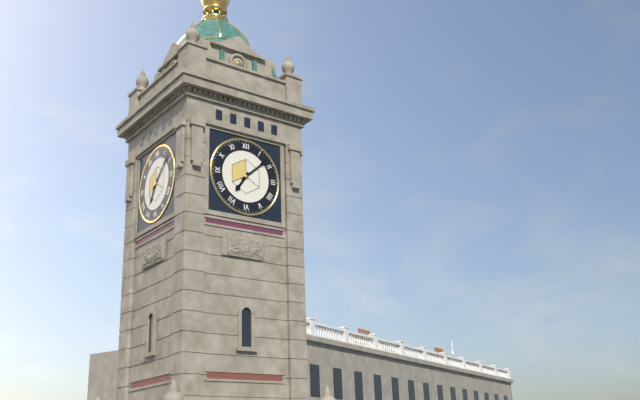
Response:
7h08
